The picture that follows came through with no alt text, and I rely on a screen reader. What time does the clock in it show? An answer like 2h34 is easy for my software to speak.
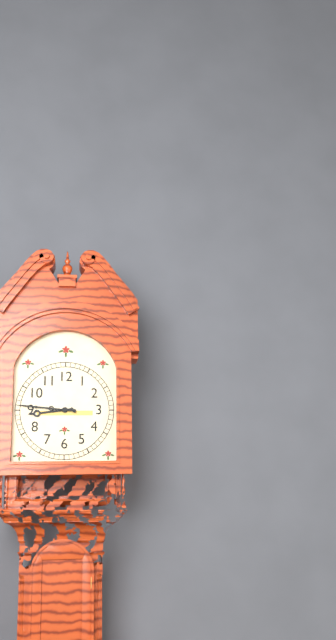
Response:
8h46
